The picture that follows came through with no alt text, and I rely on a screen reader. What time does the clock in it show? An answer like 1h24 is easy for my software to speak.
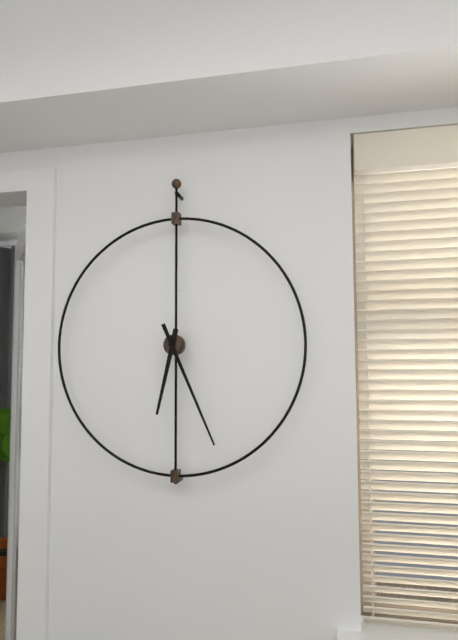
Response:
6h26
